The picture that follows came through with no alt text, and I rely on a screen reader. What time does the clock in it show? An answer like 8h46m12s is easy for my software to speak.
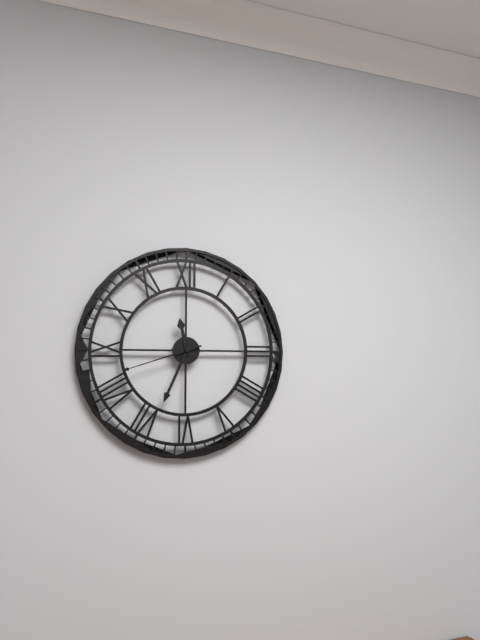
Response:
11h34m42s
